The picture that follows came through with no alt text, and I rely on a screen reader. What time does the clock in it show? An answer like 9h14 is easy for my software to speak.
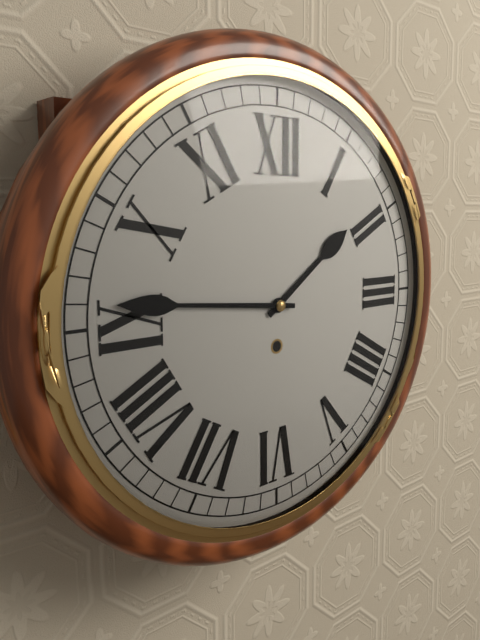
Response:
1h46
